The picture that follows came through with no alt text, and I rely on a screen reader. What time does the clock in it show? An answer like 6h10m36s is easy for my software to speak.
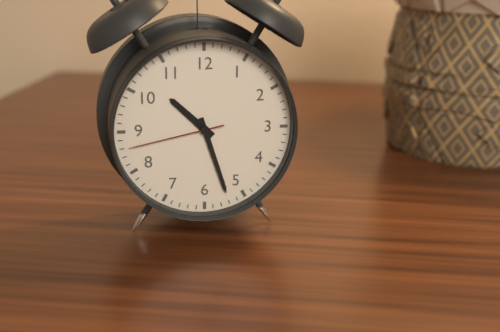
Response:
10h27m43s
